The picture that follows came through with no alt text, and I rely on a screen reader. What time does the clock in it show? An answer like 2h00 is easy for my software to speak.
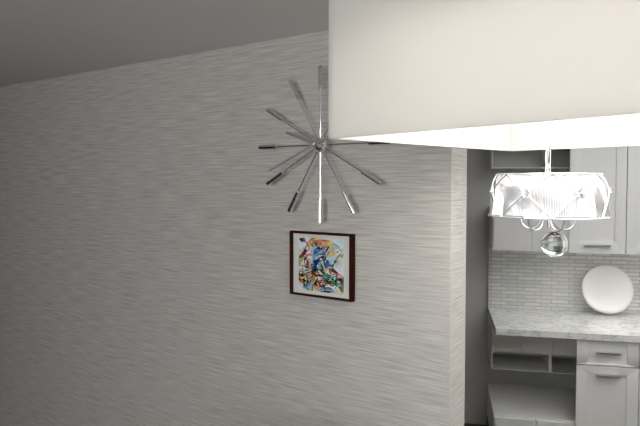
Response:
9h41
